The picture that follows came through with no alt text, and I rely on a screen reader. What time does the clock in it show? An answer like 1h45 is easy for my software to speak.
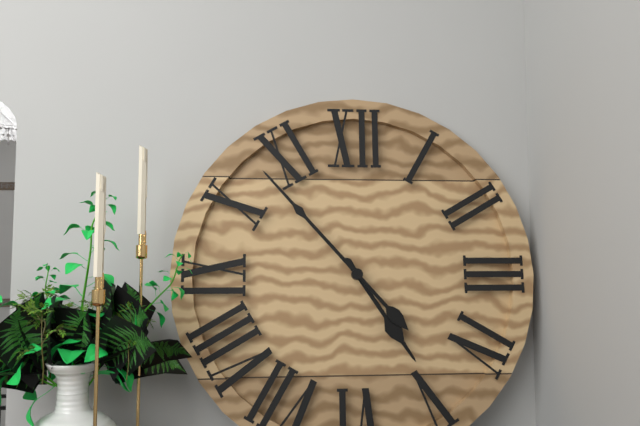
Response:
4h53
